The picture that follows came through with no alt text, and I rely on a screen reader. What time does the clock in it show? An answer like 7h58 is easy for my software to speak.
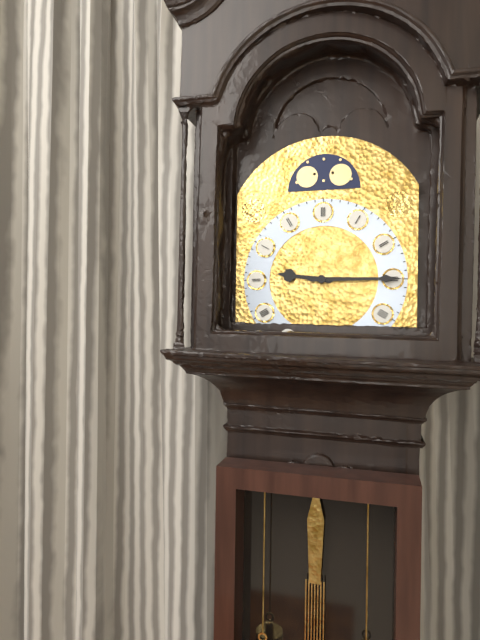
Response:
9h15
